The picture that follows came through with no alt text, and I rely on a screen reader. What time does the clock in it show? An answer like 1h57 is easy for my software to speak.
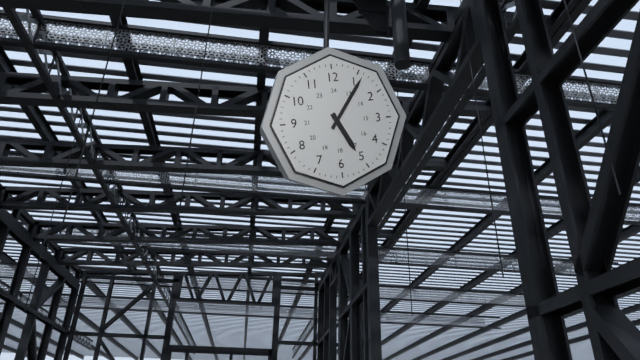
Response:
5h06
